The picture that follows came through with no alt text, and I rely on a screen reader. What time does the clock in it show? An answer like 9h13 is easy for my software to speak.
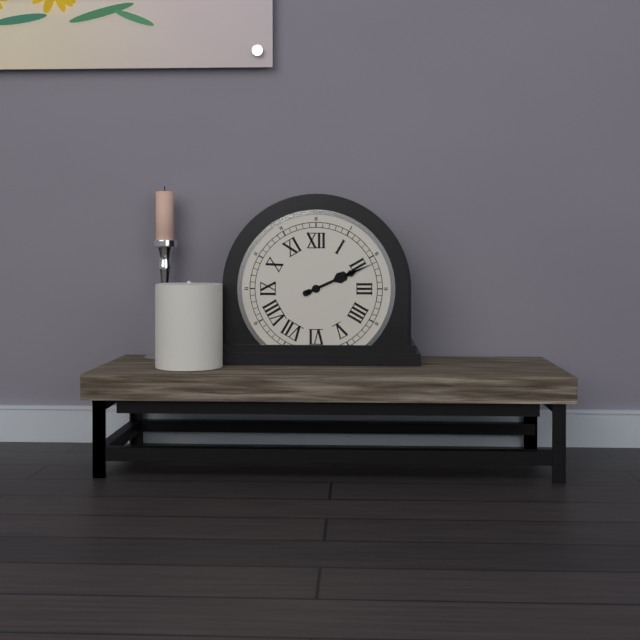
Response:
2h11
